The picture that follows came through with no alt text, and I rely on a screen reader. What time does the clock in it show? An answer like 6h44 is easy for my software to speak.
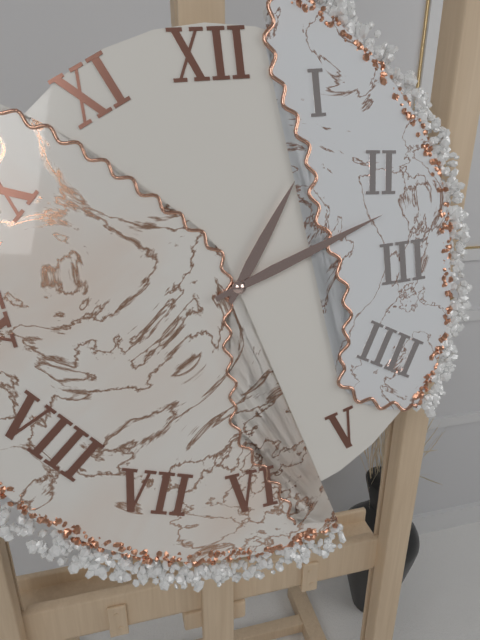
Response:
1h12
